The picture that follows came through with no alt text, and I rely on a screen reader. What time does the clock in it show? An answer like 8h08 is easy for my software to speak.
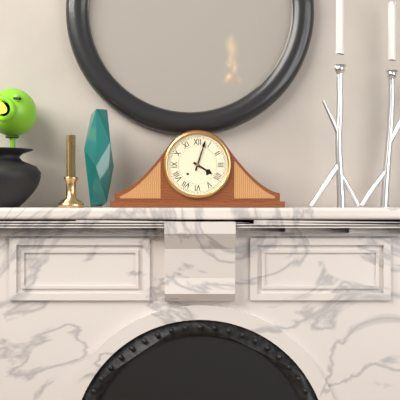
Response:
4h03
